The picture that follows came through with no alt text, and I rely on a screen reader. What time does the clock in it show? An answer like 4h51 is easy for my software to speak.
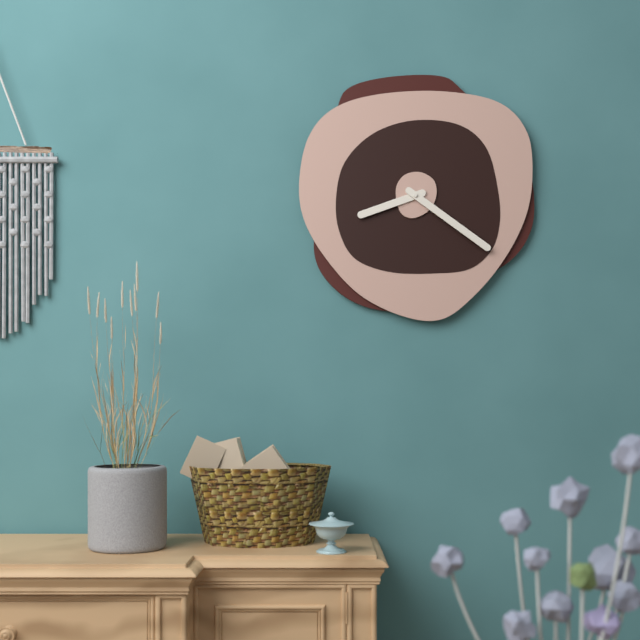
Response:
8h21
